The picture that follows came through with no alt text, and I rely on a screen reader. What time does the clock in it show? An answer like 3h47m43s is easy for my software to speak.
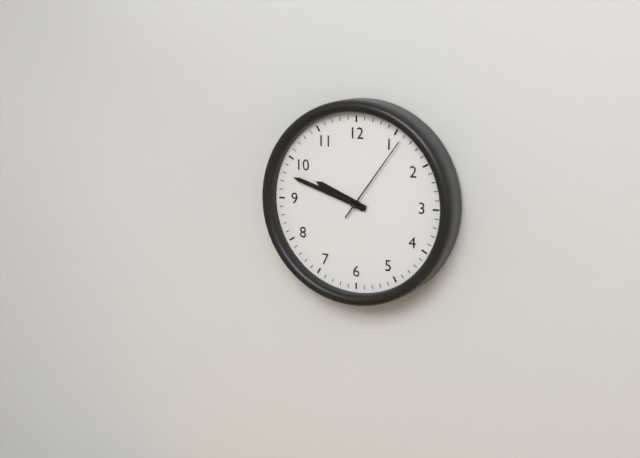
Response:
9h48m06s
